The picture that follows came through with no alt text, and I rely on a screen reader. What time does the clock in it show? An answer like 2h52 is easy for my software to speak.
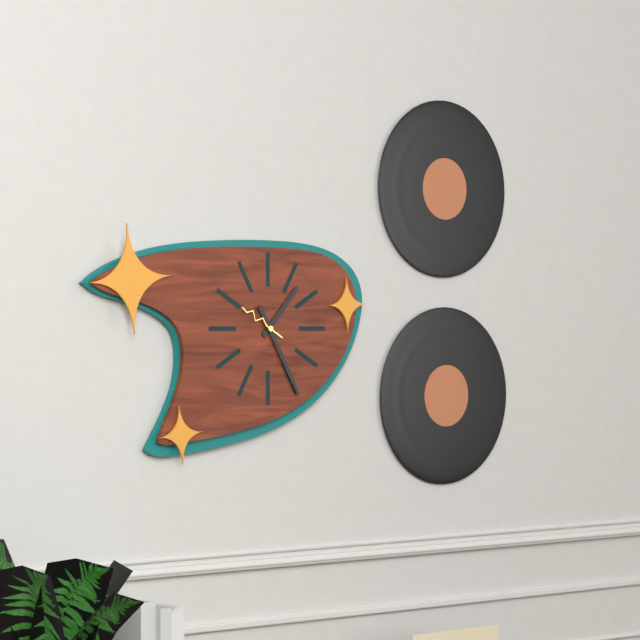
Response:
1h25
